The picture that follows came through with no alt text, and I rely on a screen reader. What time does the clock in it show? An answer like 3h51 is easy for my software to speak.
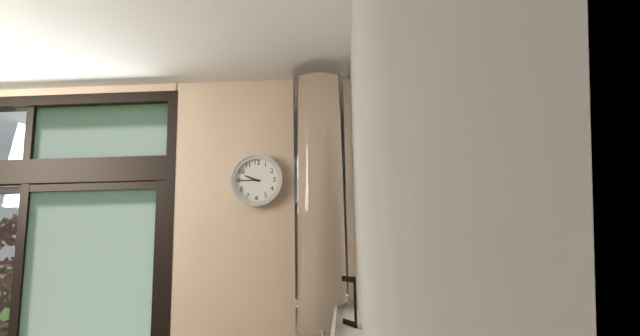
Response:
9h45
